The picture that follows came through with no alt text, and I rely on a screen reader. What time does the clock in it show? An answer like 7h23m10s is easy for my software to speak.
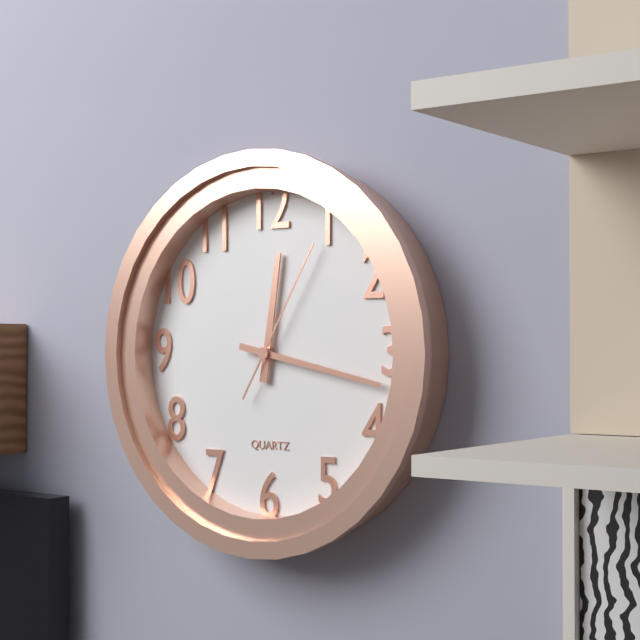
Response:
12h17m05s
